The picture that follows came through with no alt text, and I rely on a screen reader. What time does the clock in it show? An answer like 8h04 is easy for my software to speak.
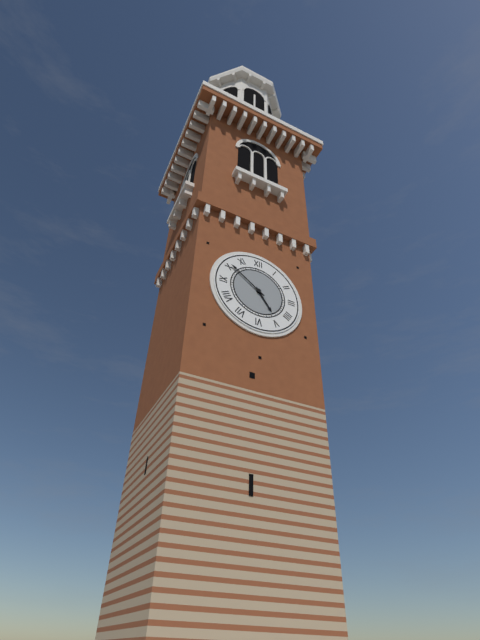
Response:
4h51
